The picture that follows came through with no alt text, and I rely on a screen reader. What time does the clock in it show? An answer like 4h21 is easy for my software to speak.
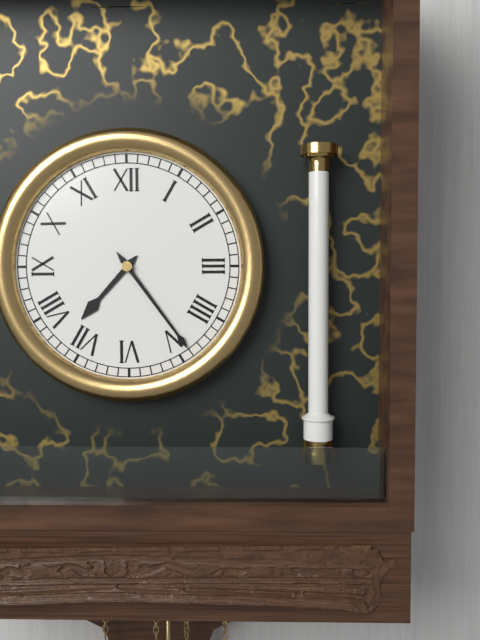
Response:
7h24
